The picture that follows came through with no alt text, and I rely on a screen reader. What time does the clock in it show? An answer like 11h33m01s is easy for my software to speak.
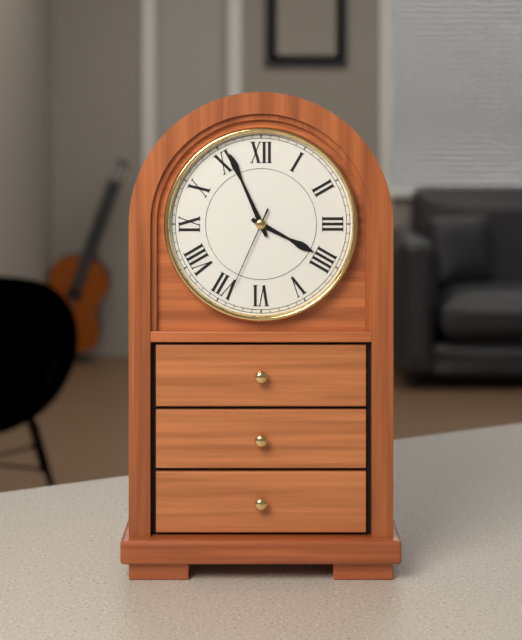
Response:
3h56m34s
